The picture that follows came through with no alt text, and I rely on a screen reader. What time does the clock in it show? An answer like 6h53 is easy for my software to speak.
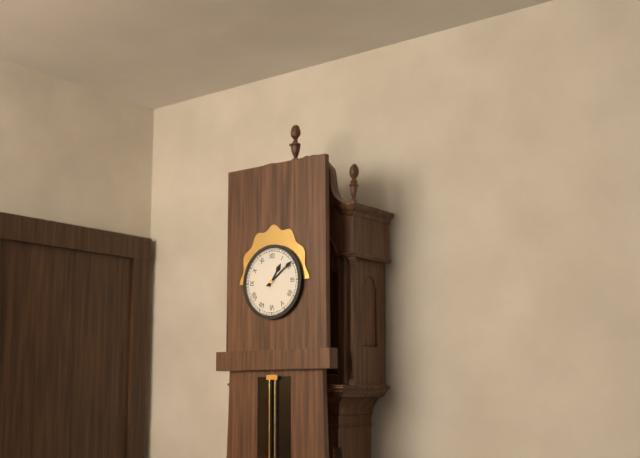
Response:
1h09
